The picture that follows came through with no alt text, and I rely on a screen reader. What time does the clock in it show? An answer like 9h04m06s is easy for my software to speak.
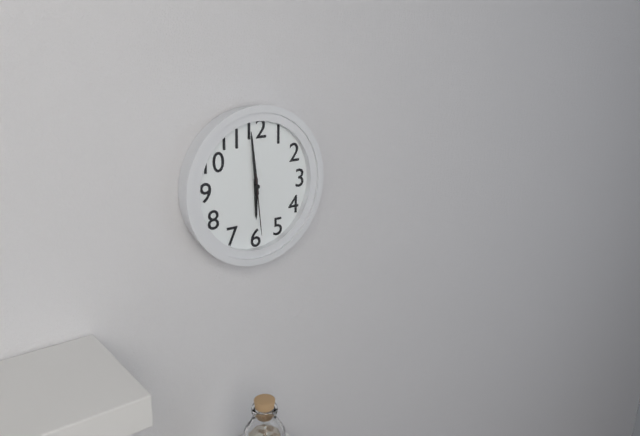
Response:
5h59m29s
